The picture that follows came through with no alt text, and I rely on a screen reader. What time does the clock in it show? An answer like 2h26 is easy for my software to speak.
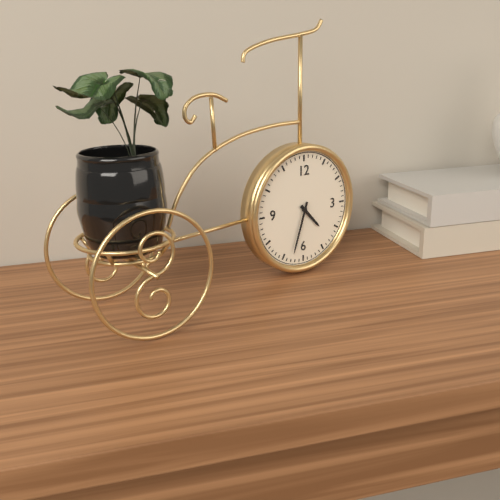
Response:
4h33
